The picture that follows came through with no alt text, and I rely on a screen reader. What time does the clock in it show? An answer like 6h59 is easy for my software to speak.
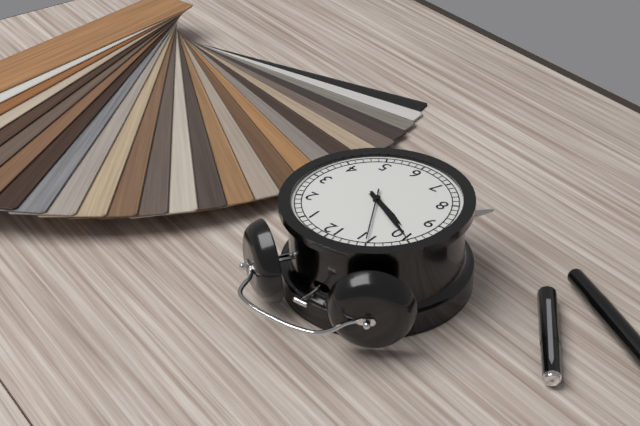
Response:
9h50
